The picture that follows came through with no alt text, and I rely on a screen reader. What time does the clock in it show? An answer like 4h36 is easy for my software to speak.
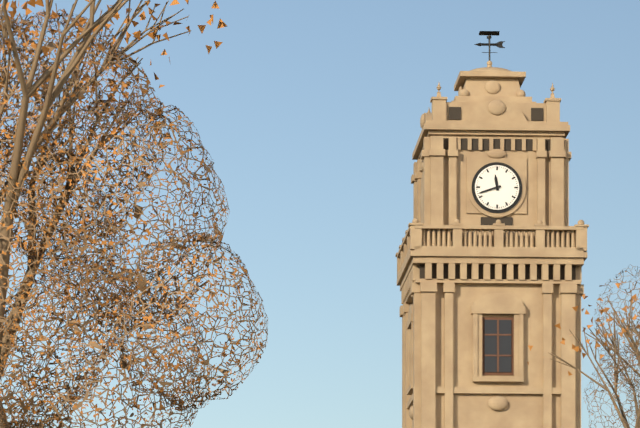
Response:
11h42
